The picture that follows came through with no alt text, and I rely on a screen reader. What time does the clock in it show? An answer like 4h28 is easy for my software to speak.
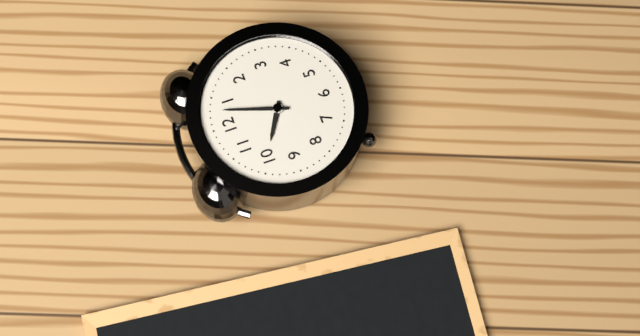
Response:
10h03
